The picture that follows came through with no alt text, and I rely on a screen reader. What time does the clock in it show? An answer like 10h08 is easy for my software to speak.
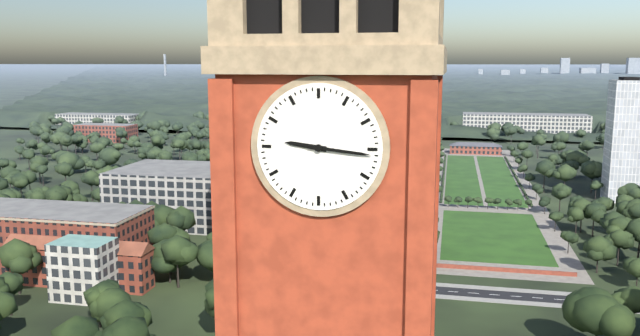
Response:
9h16
